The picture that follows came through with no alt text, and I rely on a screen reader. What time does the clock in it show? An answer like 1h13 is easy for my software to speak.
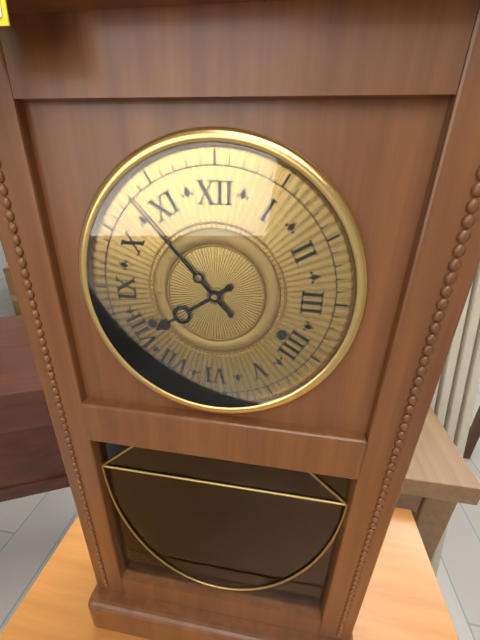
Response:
7h53
